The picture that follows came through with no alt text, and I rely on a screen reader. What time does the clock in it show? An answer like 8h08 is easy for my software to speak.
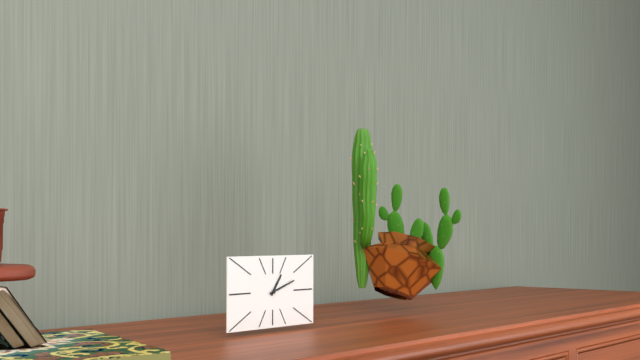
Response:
1h12
